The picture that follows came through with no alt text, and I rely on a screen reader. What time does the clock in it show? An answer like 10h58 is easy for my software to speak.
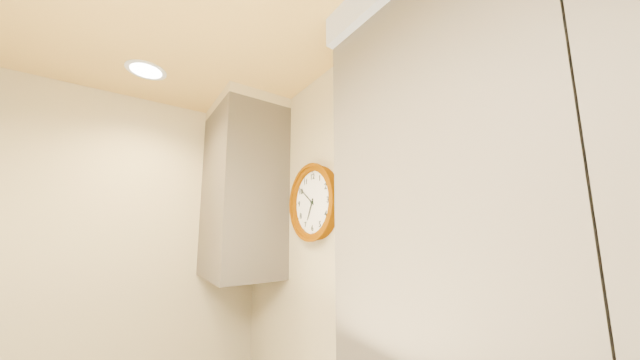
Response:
6h51
